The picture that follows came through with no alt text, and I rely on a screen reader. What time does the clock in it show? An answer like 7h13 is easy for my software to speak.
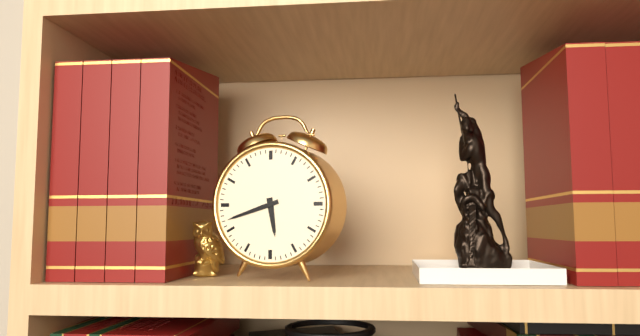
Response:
5h42
